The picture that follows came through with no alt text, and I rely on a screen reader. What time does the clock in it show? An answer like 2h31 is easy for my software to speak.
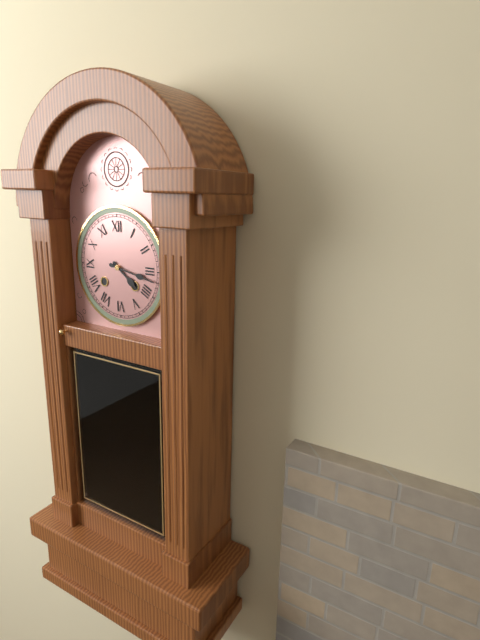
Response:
4h17
